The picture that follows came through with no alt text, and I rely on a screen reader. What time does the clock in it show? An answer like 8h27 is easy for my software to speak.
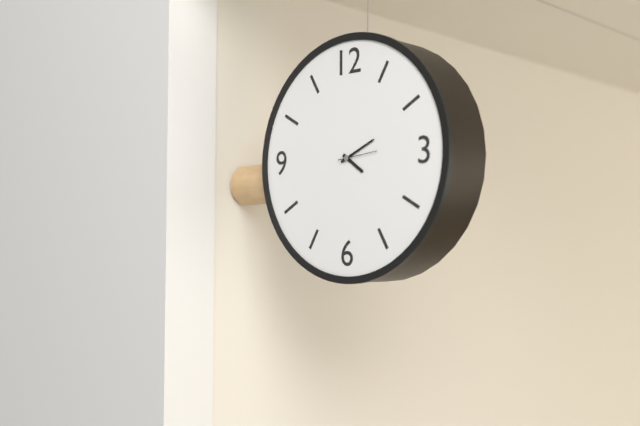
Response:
4h11
